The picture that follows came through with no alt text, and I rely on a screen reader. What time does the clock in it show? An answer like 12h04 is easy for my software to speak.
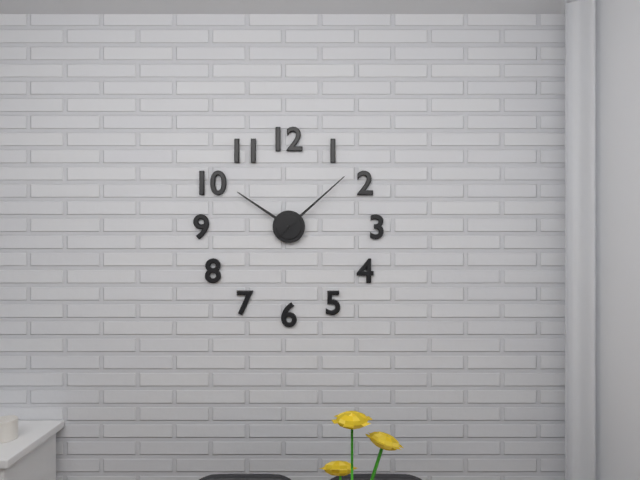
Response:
10h08
